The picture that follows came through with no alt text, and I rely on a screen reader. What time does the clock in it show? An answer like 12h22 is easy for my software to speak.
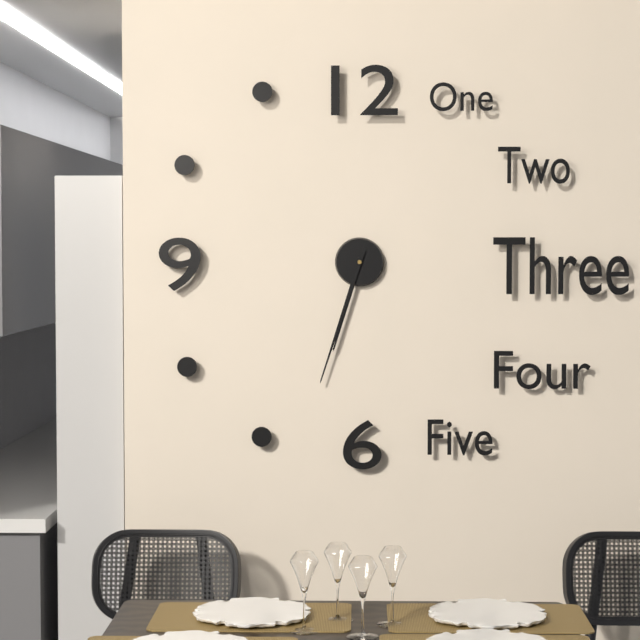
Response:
6h33
